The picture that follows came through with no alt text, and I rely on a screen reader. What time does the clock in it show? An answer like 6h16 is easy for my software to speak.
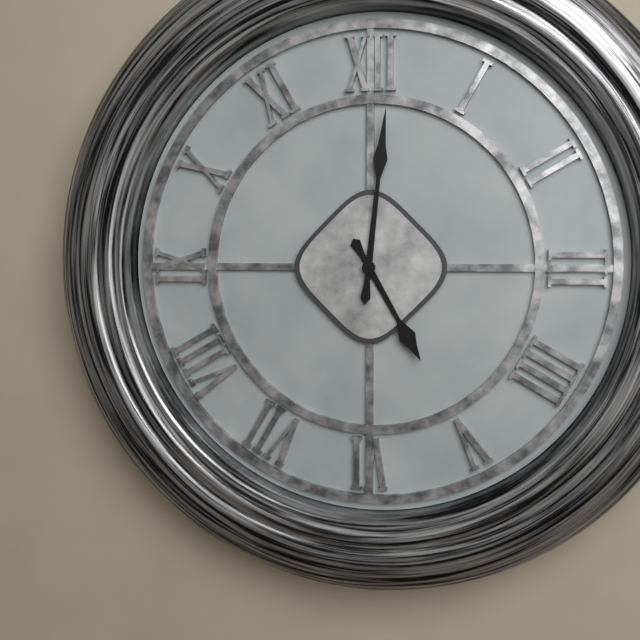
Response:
5h01
